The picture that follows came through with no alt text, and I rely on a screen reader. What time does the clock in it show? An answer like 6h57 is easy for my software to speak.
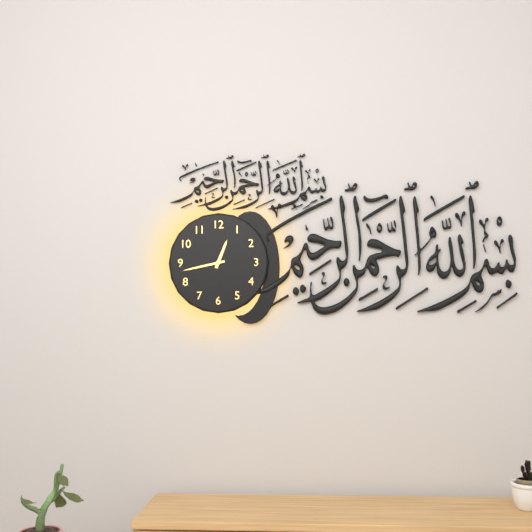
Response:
12h43
